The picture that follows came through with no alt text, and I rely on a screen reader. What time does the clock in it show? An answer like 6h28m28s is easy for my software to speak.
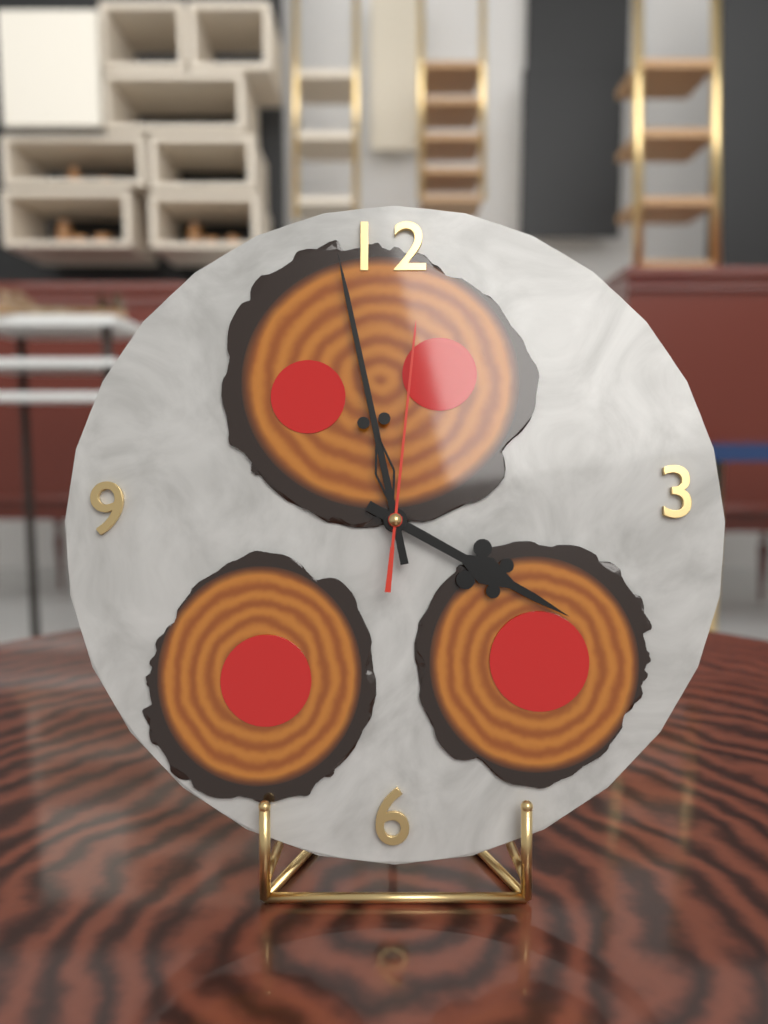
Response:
3h58m01s
